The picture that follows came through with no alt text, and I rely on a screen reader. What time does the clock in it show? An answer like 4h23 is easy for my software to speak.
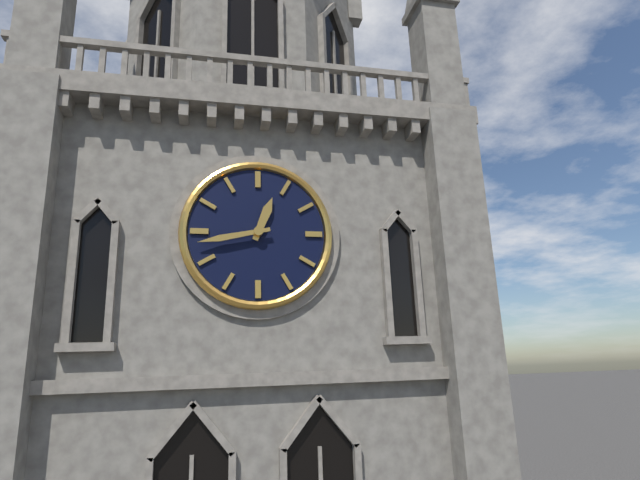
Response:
12h43
